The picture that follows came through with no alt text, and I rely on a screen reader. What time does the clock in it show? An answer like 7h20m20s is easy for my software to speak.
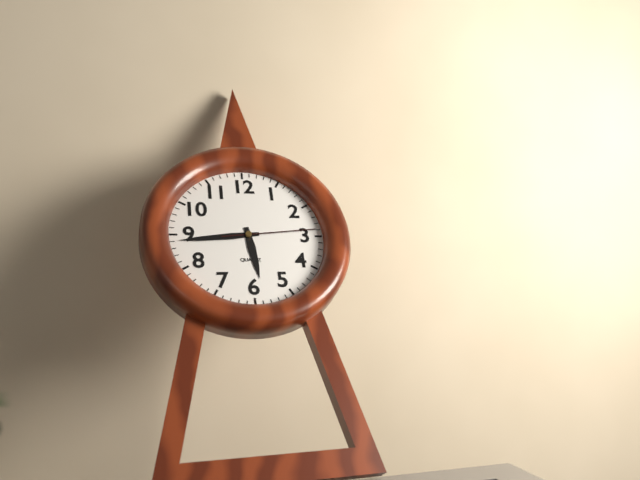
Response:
5h44m14s
